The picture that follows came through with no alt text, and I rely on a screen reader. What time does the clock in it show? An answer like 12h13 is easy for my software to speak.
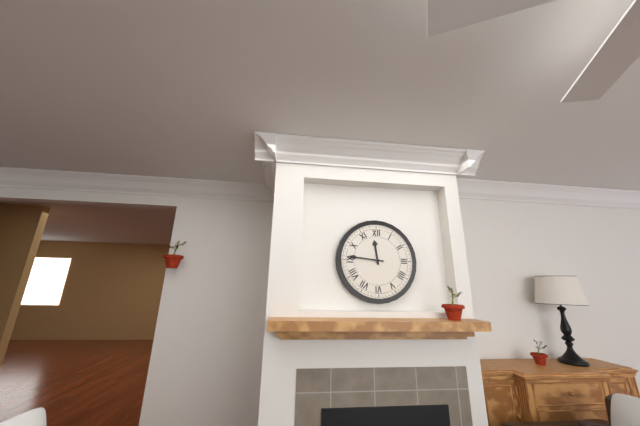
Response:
11h46
